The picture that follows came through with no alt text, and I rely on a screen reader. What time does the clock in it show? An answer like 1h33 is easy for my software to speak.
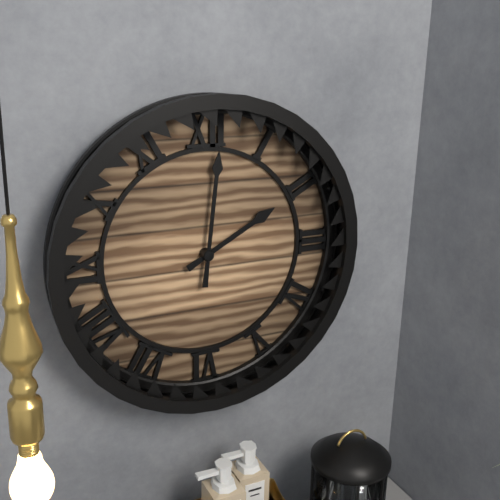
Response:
2h01
